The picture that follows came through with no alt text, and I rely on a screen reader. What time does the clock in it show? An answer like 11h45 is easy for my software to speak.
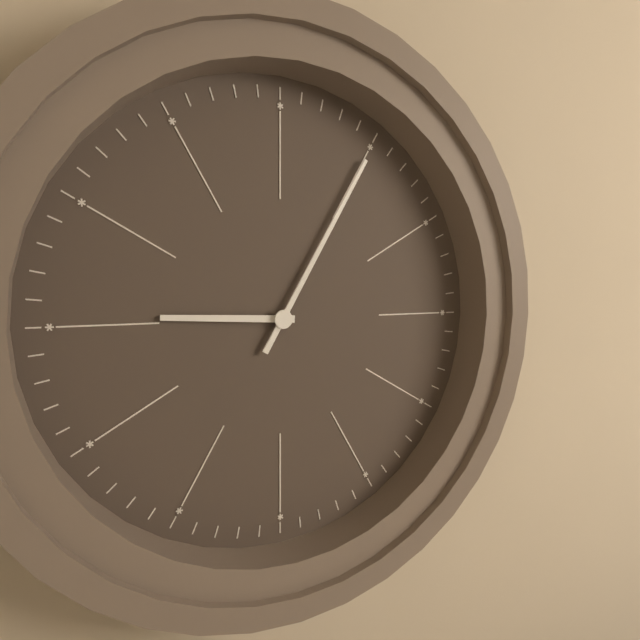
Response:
9h05
